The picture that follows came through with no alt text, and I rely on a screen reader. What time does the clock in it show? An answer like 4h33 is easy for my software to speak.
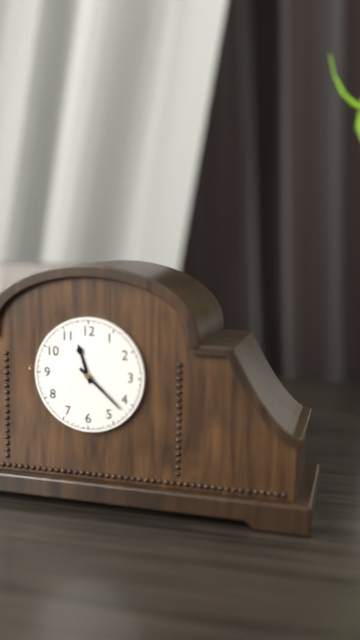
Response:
11h22
